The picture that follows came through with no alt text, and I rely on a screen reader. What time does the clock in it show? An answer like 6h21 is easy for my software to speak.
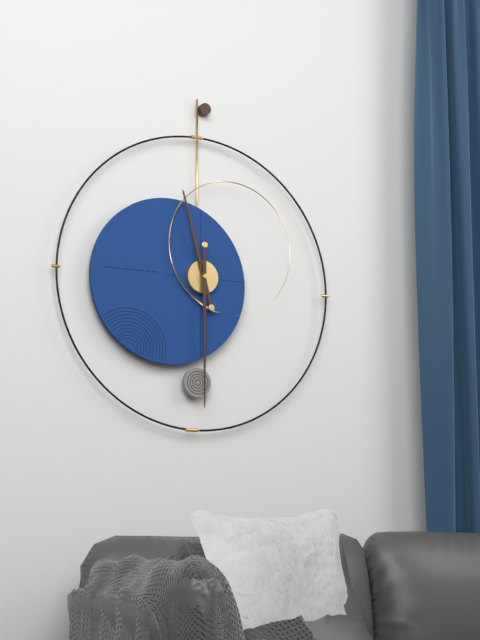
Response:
11h30
